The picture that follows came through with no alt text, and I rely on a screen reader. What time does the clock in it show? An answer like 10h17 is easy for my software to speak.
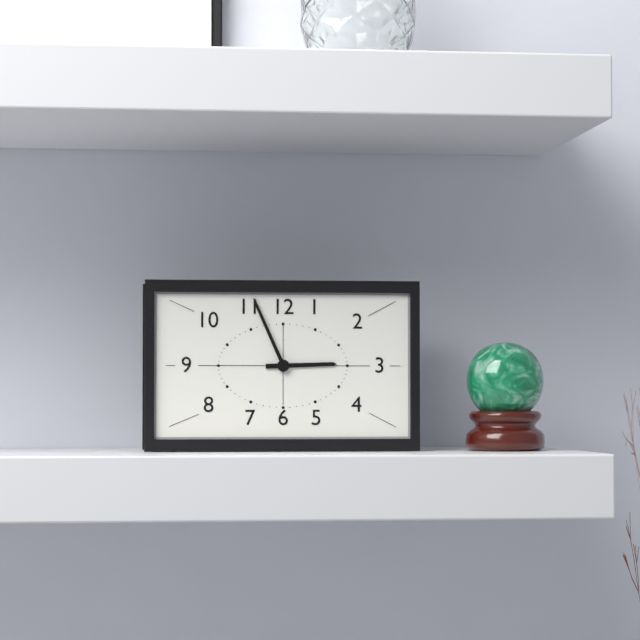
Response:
2h56
